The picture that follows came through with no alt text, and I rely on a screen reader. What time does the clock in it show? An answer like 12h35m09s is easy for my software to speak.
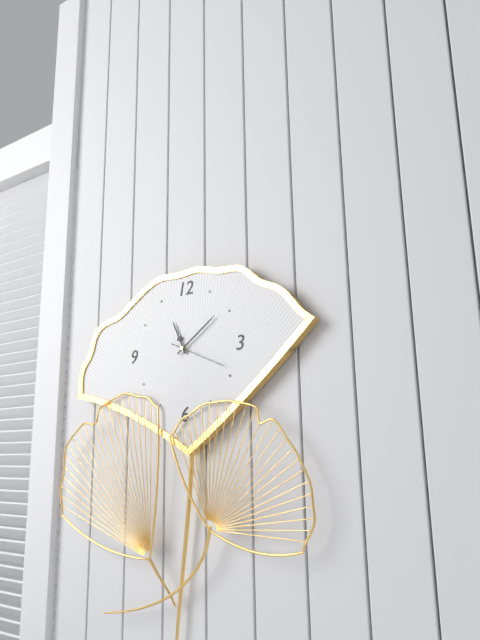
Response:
11h09m19s
